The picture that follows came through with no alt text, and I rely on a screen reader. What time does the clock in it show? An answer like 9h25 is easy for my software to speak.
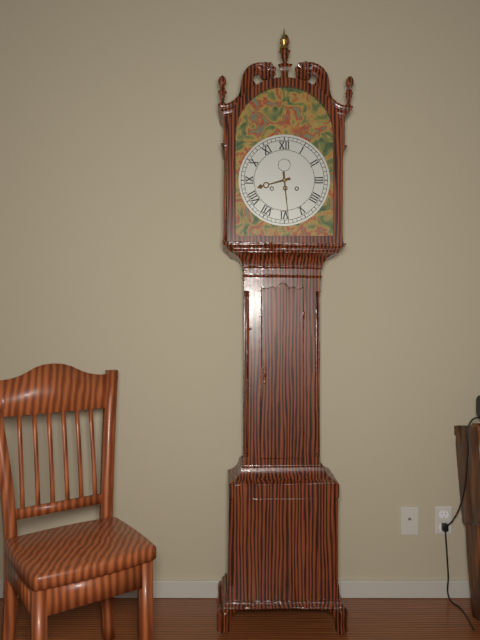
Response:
8h29
